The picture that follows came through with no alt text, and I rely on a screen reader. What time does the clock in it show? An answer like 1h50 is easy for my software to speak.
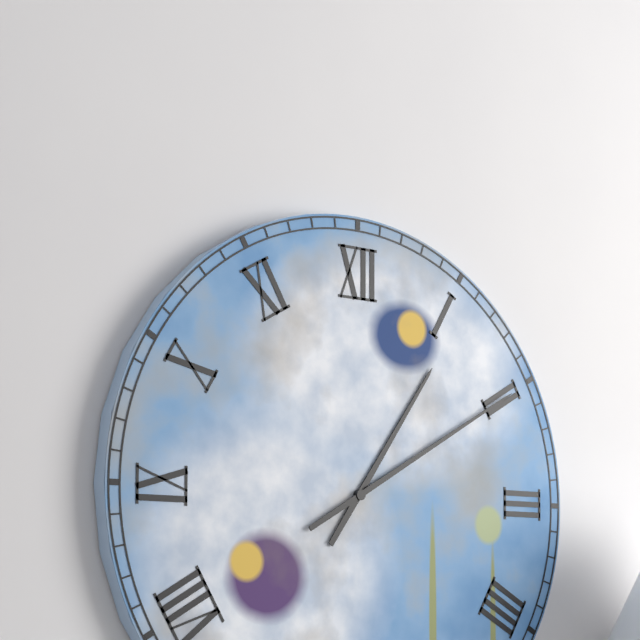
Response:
1h10
